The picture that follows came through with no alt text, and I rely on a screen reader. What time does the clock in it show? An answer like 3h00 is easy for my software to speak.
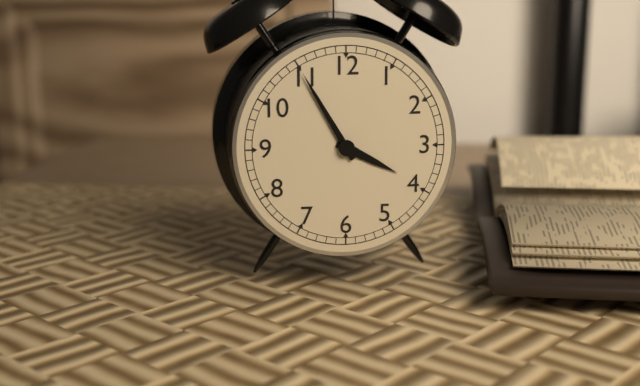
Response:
3h55
